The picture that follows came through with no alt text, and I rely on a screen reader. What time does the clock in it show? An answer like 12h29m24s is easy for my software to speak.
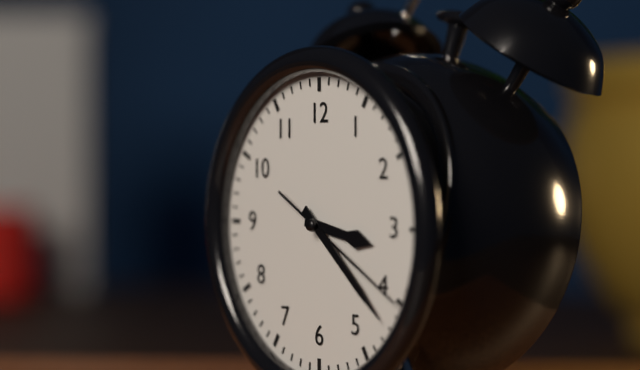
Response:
3h22m20s
